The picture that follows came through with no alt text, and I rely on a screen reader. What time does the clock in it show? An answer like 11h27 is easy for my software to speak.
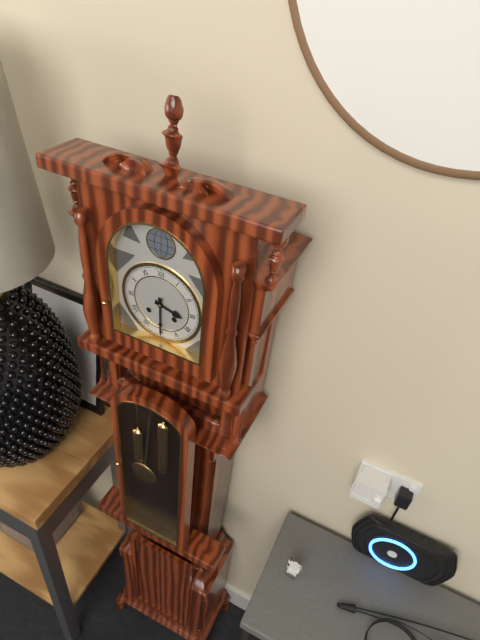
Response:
3h30
